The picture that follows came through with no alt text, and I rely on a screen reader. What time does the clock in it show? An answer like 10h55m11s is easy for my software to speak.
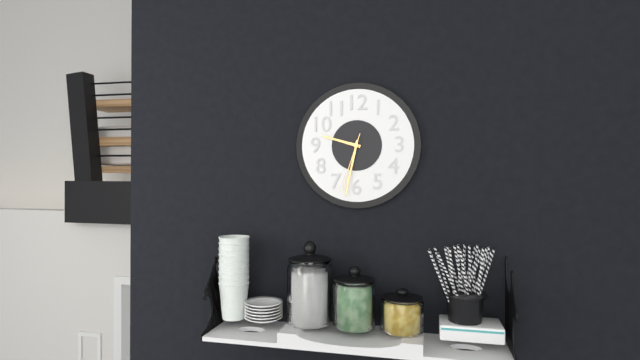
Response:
9h32m33s
